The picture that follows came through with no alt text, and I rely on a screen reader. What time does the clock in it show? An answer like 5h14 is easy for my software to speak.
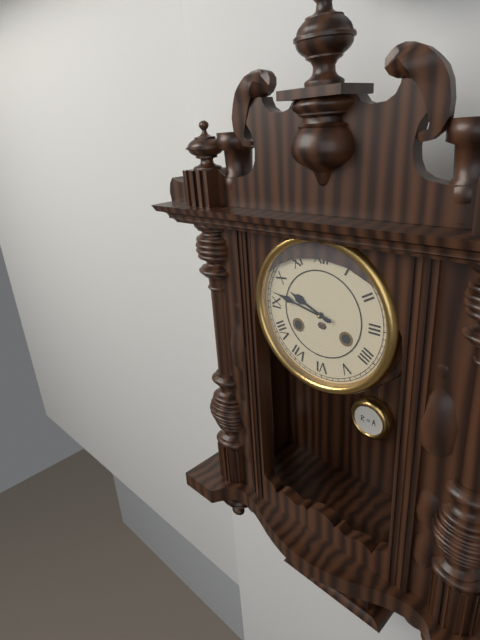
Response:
9h47
